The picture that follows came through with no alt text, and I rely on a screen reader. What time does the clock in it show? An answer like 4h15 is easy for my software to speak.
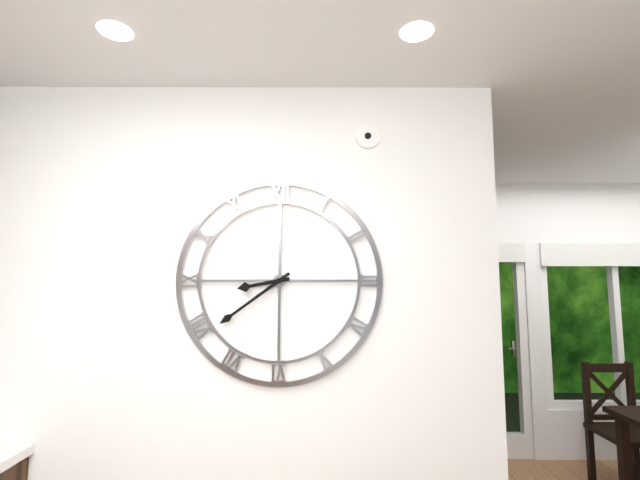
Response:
8h39
